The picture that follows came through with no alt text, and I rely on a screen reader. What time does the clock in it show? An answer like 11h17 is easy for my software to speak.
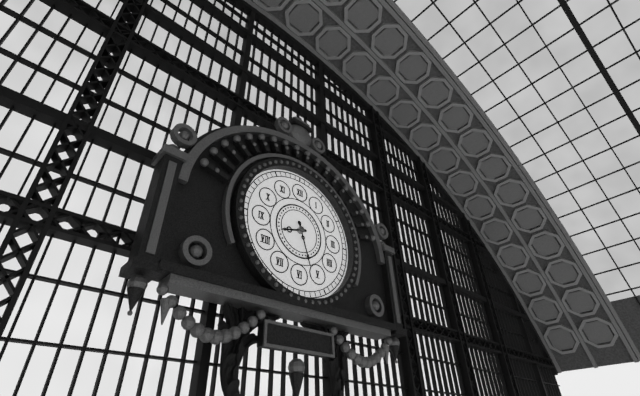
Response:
8h27
